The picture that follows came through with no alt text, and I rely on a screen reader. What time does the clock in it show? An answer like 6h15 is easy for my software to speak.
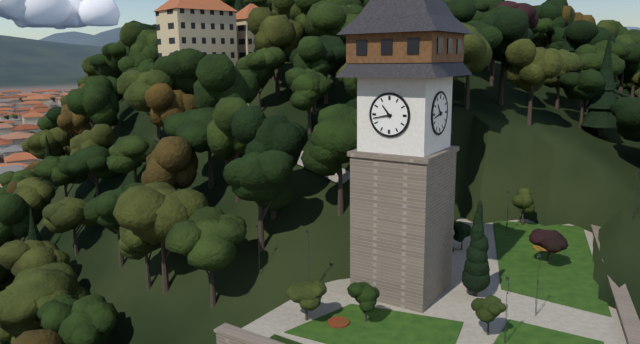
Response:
10h43
